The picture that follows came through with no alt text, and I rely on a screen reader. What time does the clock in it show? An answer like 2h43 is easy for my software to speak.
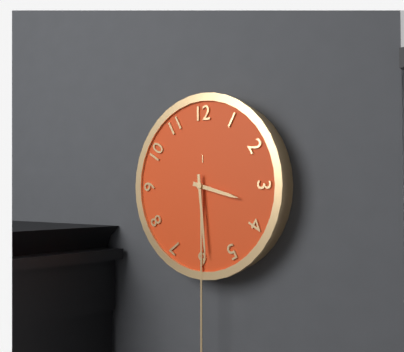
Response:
3h29
